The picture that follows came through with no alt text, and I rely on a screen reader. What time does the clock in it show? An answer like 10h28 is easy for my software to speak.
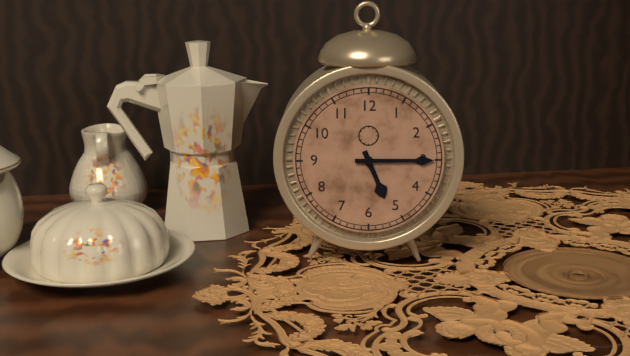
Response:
5h15
